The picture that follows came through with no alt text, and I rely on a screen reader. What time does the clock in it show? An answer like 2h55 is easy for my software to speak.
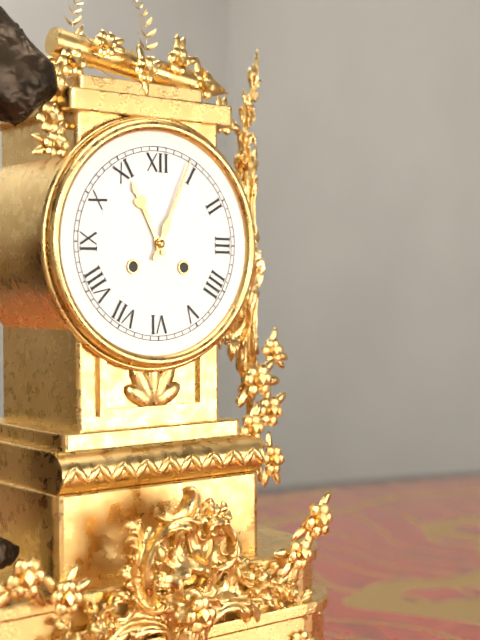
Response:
11h04
